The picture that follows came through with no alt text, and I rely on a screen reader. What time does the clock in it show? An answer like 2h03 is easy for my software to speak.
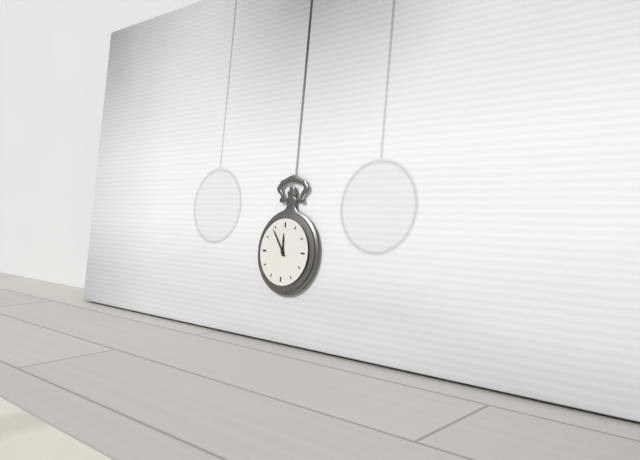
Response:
11h54
